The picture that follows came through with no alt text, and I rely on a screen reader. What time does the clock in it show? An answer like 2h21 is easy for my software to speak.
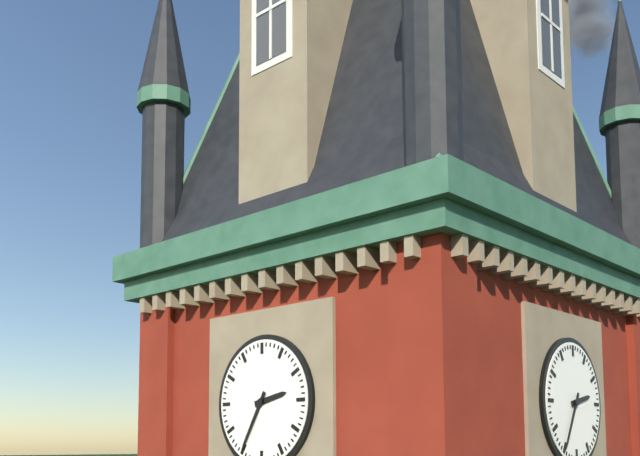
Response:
2h35
